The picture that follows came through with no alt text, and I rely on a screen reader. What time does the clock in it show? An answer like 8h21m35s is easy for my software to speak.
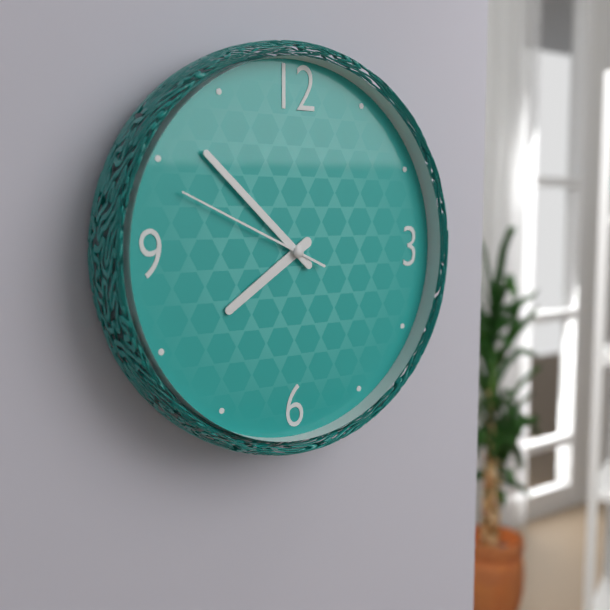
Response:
7h52m49s
